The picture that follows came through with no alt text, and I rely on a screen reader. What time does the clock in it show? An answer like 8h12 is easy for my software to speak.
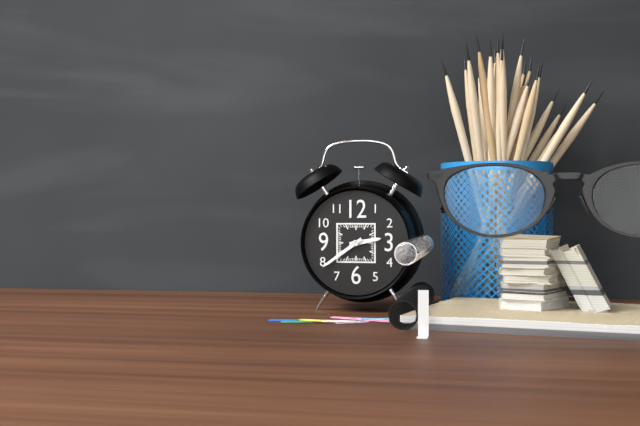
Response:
2h39
